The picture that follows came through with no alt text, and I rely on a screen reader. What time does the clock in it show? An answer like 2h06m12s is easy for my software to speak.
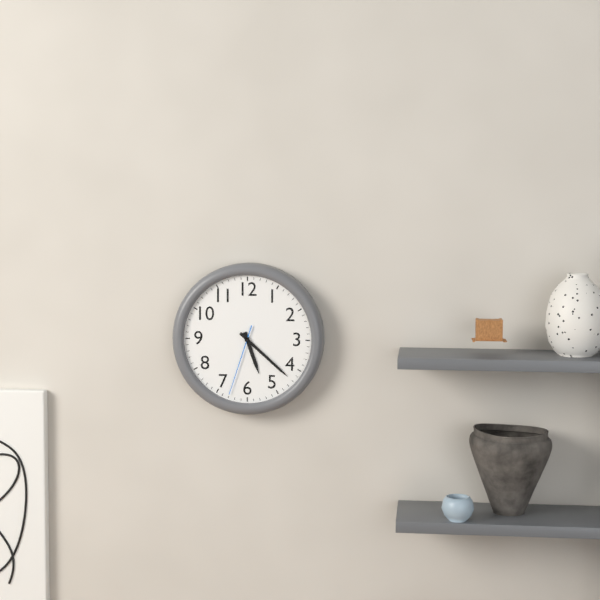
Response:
5h22m33s
